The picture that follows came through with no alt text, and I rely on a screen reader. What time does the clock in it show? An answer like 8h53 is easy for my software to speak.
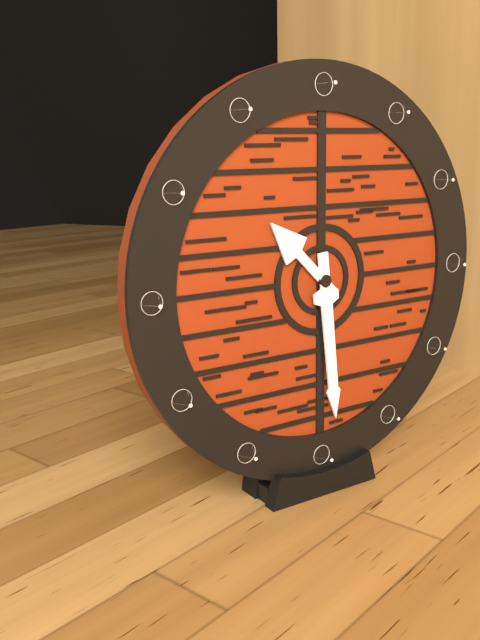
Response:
10h29
